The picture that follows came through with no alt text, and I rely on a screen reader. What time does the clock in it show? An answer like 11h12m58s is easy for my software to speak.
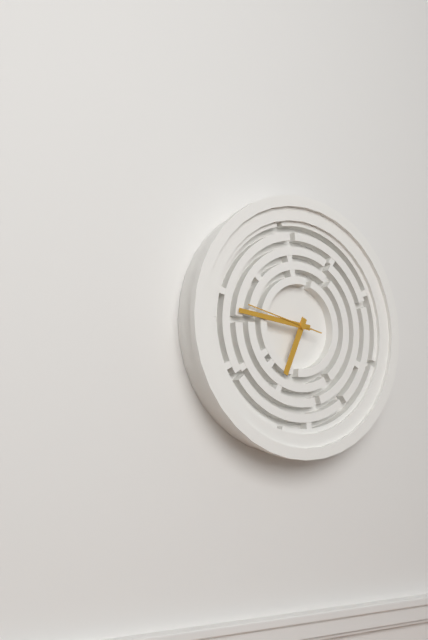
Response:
6h46m47s
